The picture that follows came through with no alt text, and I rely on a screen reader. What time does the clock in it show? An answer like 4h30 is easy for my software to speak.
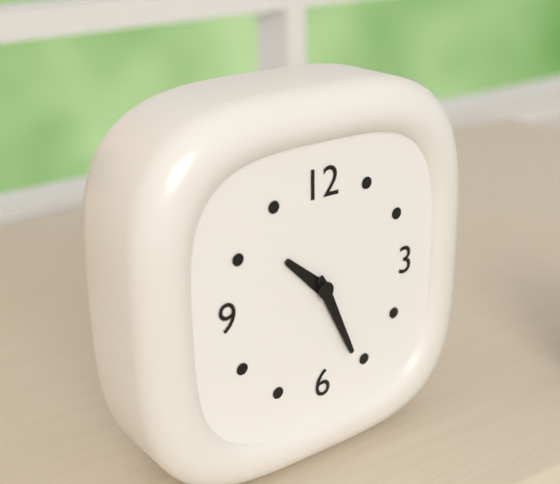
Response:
10h26
